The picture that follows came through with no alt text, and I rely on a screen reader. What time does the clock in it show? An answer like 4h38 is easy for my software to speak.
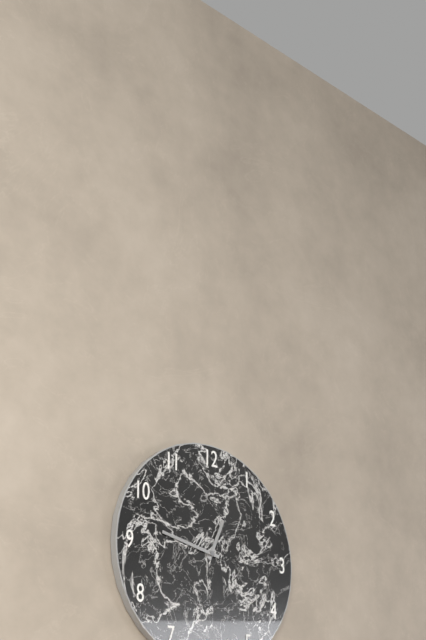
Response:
12h47
